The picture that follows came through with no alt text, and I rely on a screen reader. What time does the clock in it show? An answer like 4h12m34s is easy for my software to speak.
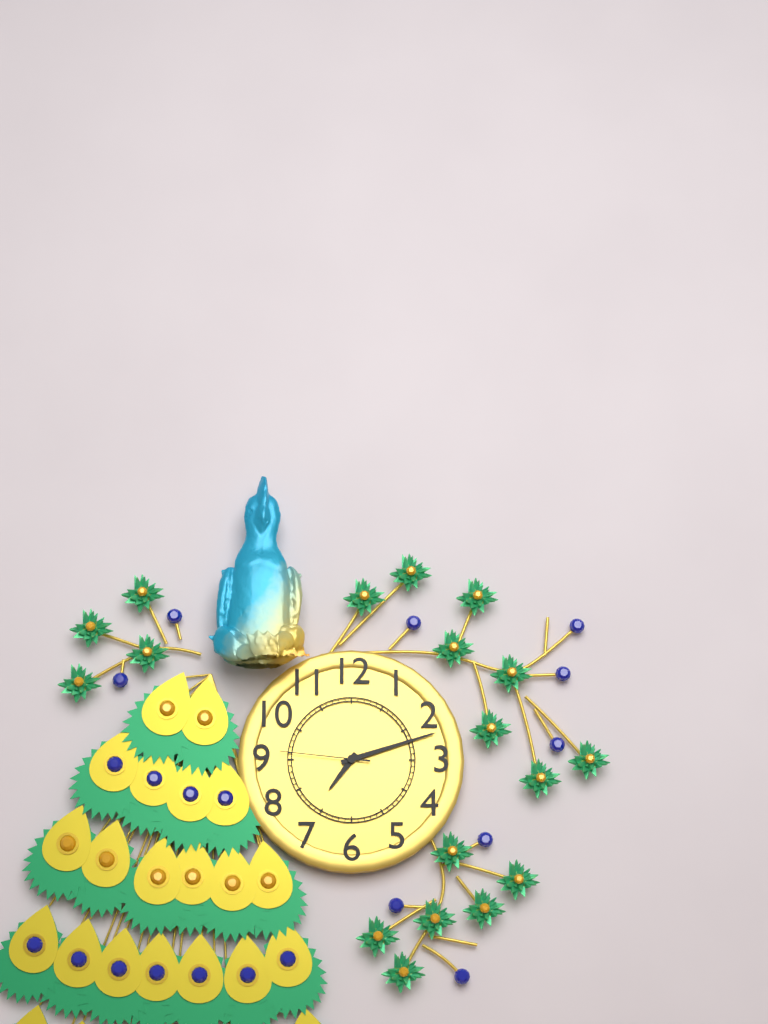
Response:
7h12m46s
